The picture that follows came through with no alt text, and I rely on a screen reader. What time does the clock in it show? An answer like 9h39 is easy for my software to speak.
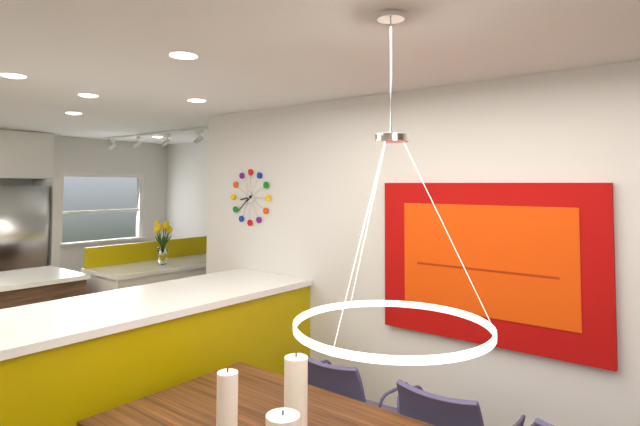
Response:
8h38
